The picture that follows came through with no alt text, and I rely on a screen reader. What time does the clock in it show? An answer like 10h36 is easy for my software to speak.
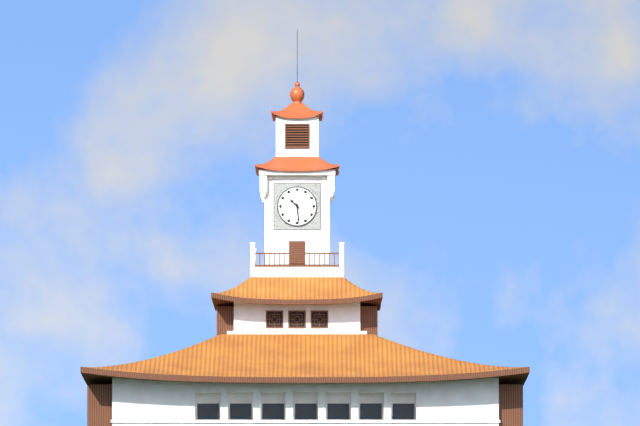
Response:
10h29
